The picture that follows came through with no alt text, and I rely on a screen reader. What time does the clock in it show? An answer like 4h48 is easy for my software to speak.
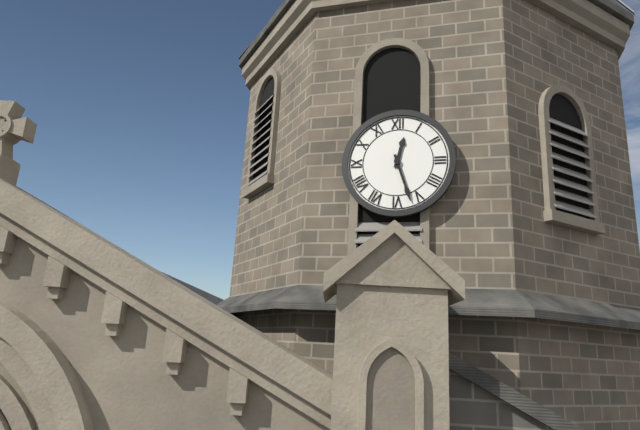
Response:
12h27
